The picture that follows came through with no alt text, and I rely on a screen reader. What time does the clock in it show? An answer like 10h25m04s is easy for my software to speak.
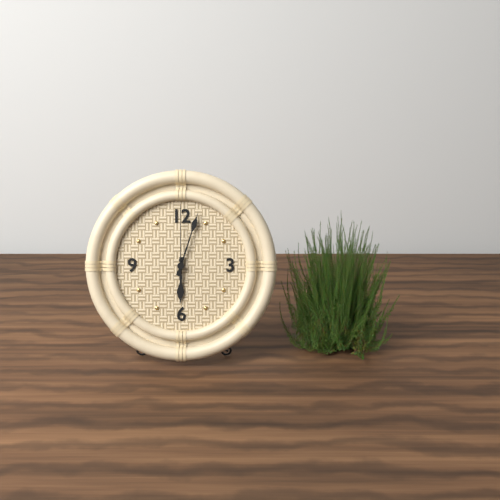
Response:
6h03m00s
